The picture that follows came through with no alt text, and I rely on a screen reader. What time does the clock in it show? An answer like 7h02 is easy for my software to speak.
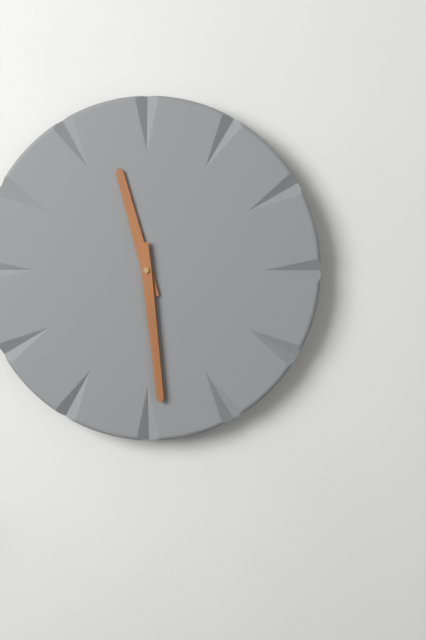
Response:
11h29
